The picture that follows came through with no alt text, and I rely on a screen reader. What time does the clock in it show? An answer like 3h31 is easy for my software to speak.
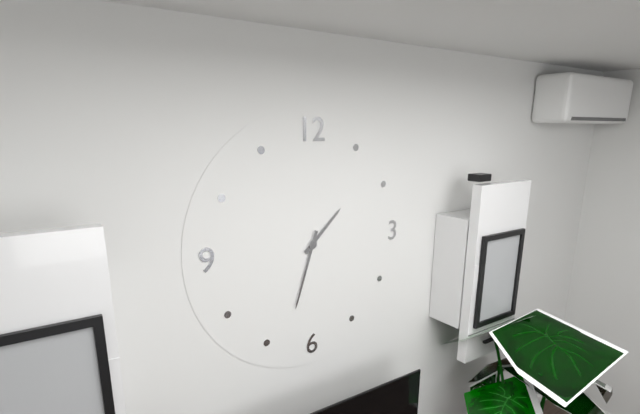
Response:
1h33
